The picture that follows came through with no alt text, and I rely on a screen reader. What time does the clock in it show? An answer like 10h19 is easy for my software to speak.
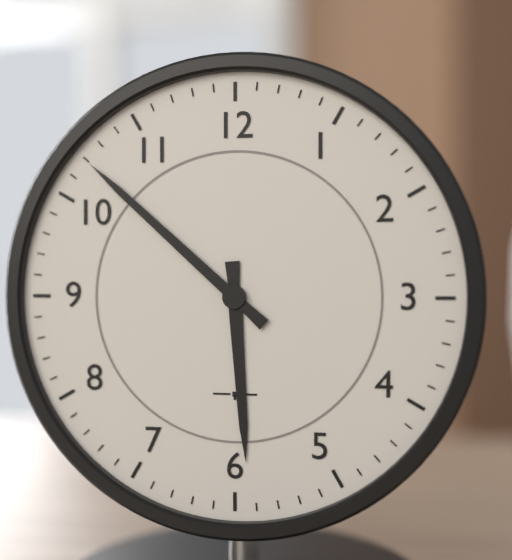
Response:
5h52
